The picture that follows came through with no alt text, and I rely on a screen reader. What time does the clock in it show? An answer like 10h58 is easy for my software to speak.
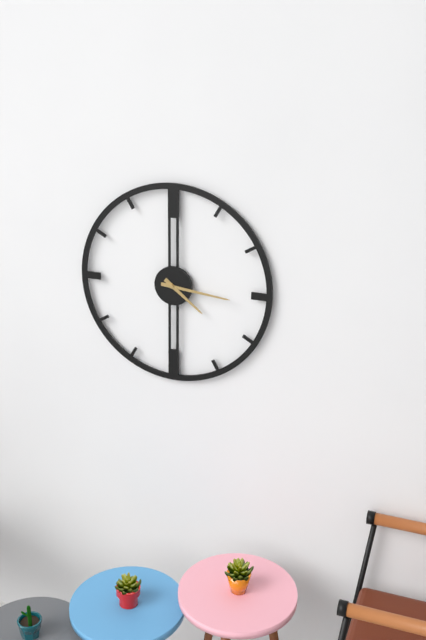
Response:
4h16
